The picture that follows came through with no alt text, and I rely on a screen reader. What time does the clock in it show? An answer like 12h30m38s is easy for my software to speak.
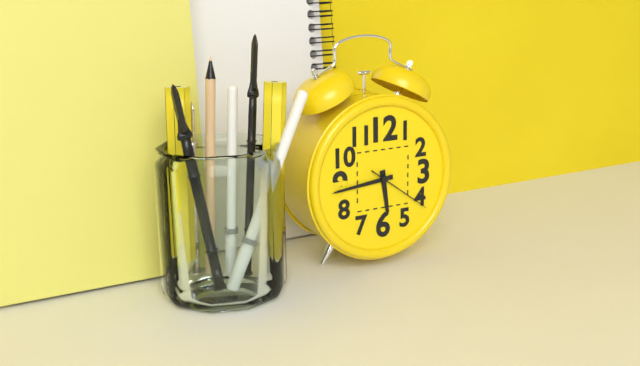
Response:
5h44m21s
